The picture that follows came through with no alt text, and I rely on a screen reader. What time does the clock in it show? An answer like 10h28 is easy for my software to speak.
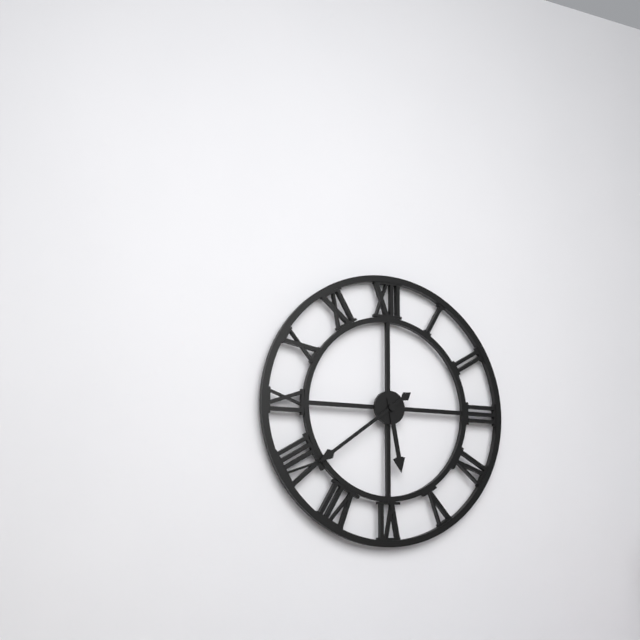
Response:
5h39
